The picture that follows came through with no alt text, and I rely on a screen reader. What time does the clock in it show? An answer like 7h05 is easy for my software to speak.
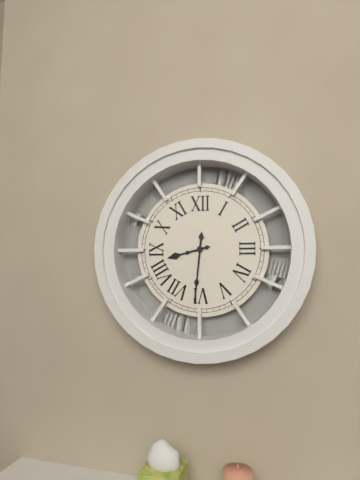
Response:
8h31
